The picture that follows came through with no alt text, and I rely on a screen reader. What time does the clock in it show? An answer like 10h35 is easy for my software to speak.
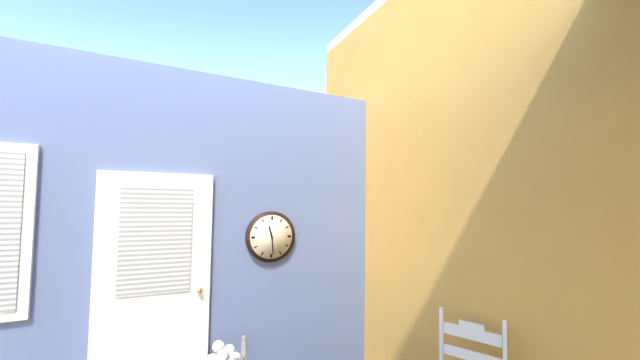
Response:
11h29
